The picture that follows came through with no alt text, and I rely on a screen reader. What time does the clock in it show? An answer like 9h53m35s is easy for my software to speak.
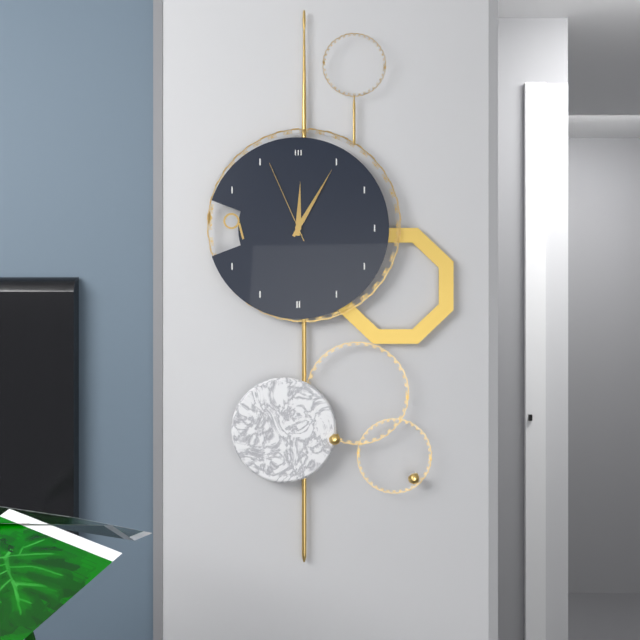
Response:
12h05m56s
